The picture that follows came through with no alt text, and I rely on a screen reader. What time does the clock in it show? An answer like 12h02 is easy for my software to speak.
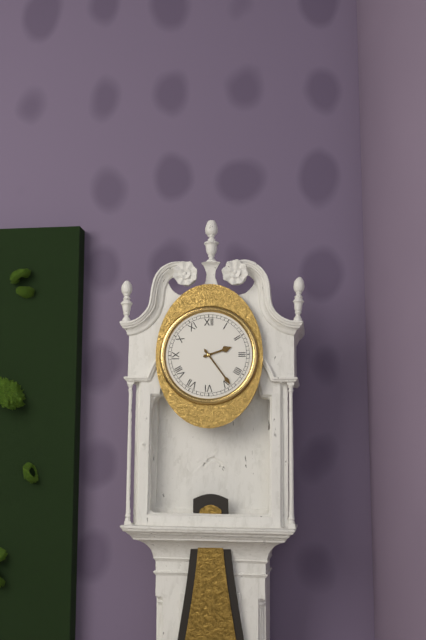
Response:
2h24
